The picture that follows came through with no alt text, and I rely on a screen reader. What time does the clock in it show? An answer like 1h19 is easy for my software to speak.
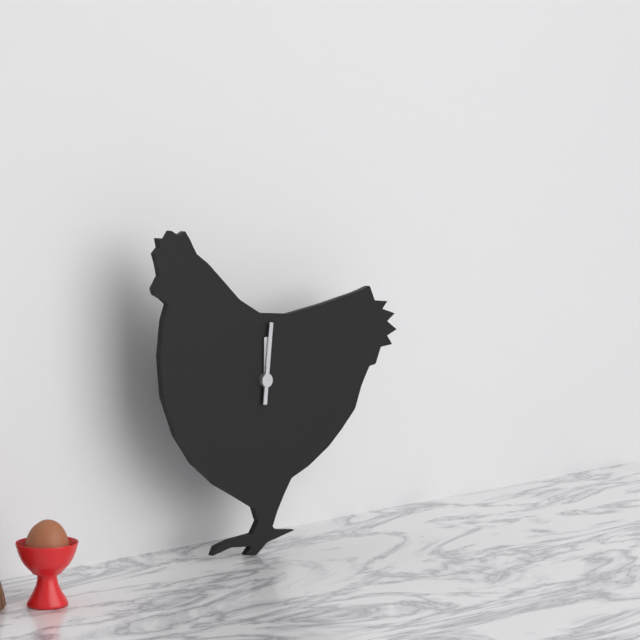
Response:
12h01
